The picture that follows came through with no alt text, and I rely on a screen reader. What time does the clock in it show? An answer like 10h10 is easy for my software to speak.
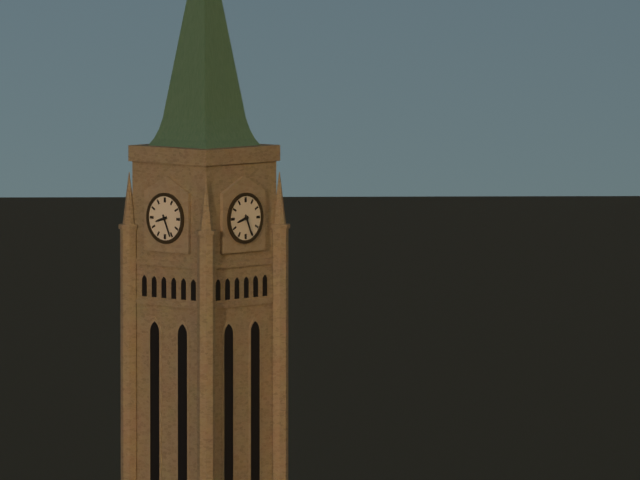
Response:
8h26
